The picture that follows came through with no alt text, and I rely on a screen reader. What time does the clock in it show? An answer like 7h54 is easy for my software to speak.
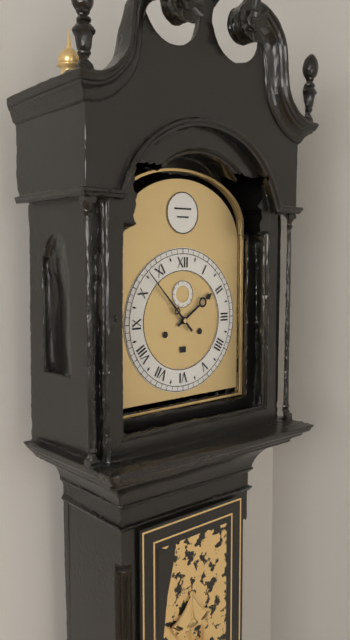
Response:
1h53
